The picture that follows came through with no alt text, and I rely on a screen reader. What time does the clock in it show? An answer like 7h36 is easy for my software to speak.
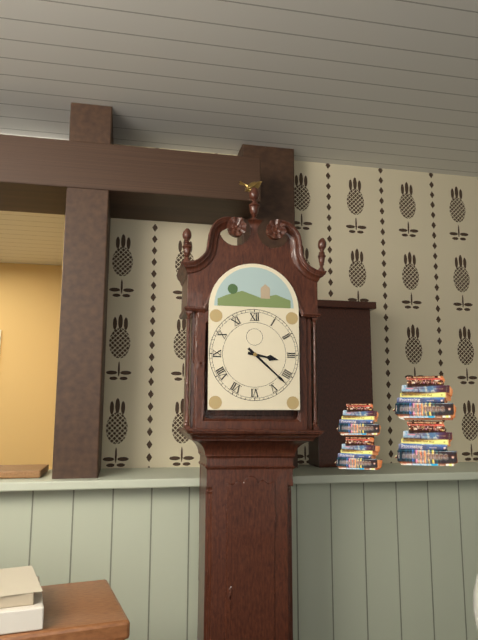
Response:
3h22
